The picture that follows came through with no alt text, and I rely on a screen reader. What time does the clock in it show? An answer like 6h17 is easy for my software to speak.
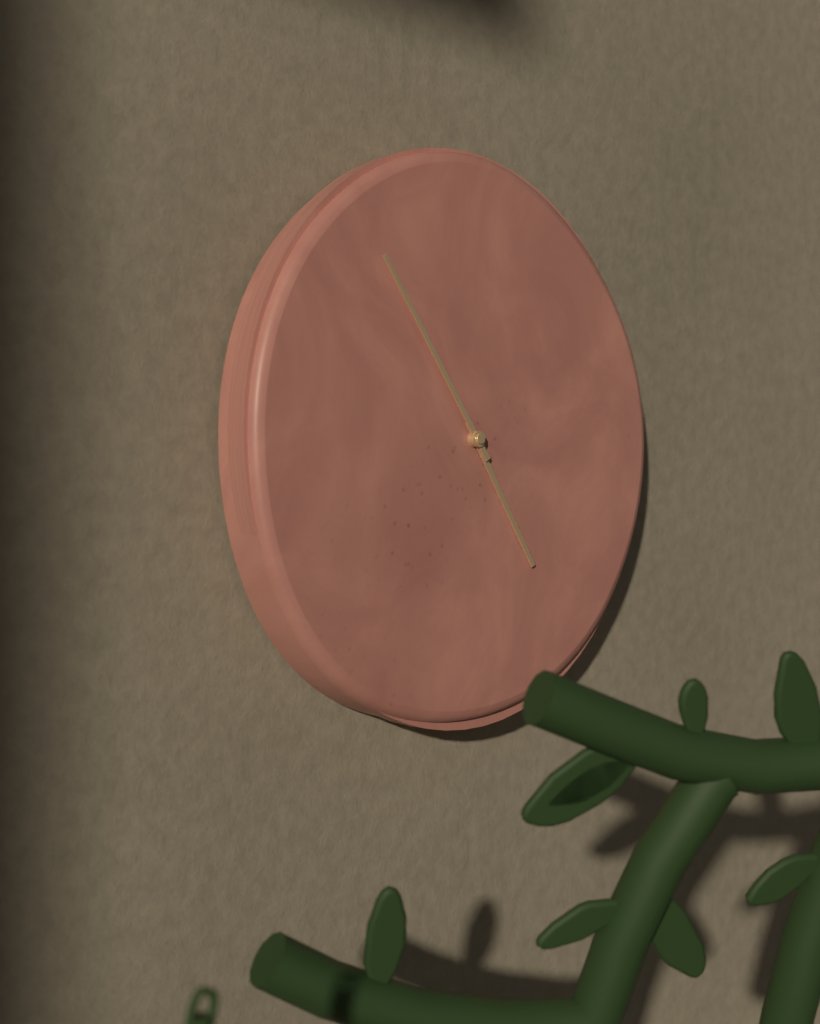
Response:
4h54
